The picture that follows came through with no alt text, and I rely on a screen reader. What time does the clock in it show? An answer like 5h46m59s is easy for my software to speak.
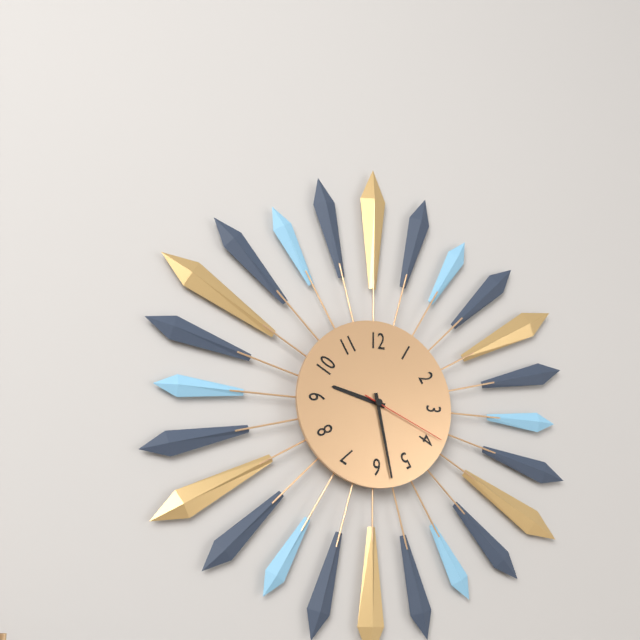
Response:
9h28m19s
